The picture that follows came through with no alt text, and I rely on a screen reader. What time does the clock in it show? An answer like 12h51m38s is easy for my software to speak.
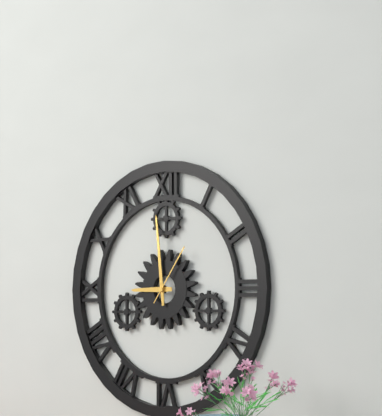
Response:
8h59m06s
